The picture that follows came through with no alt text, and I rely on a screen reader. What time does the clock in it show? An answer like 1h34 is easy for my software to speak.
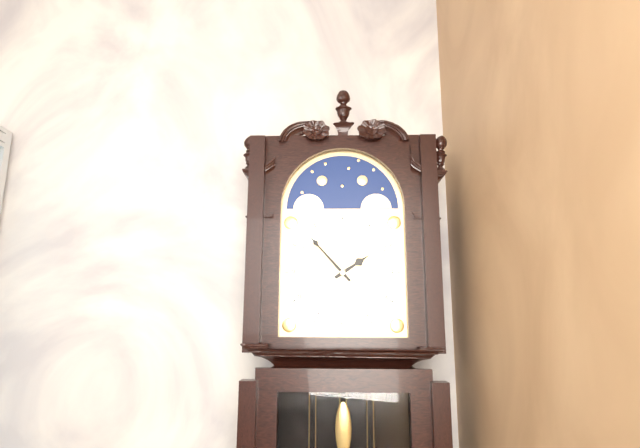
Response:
1h53
